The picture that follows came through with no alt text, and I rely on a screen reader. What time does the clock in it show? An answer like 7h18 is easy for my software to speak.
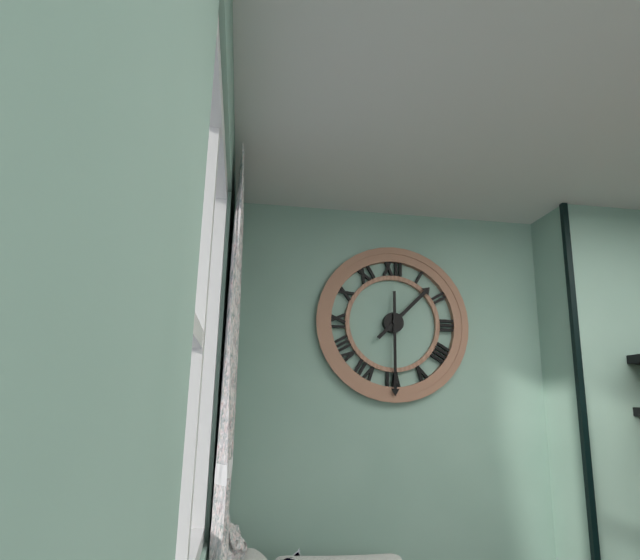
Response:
1h30
